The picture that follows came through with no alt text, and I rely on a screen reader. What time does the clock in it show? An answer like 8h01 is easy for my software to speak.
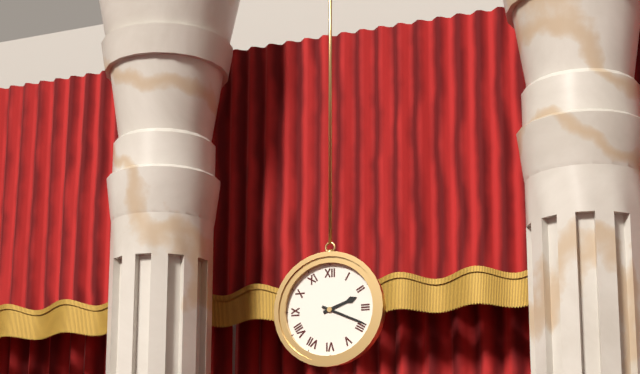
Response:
2h19
